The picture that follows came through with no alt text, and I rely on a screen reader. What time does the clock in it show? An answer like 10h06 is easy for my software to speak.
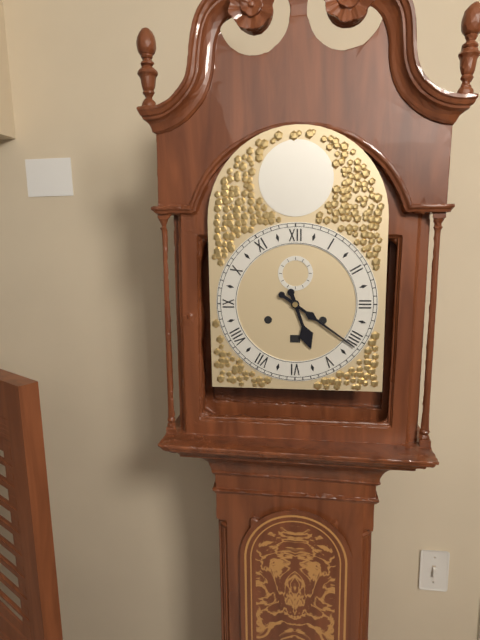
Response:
5h21
